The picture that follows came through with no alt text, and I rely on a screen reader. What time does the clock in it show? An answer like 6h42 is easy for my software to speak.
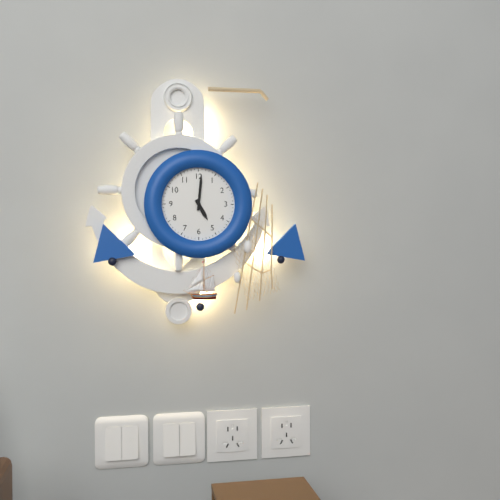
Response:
5h01
